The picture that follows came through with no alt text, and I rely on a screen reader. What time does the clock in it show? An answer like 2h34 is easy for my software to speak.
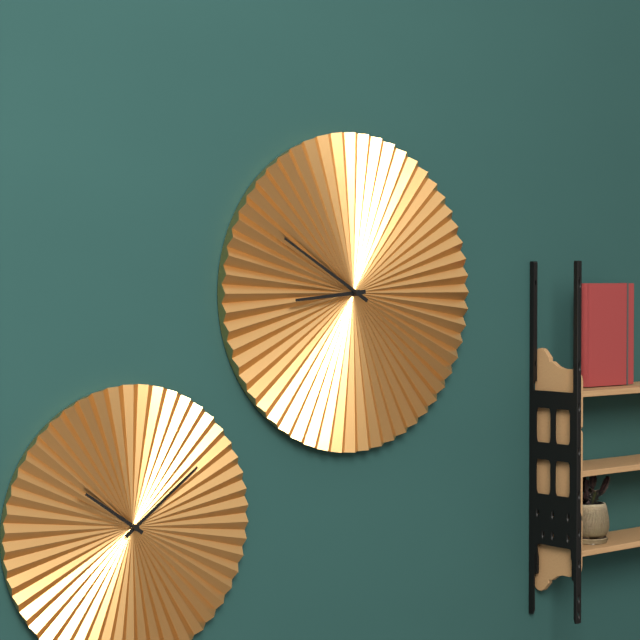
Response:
8h50
